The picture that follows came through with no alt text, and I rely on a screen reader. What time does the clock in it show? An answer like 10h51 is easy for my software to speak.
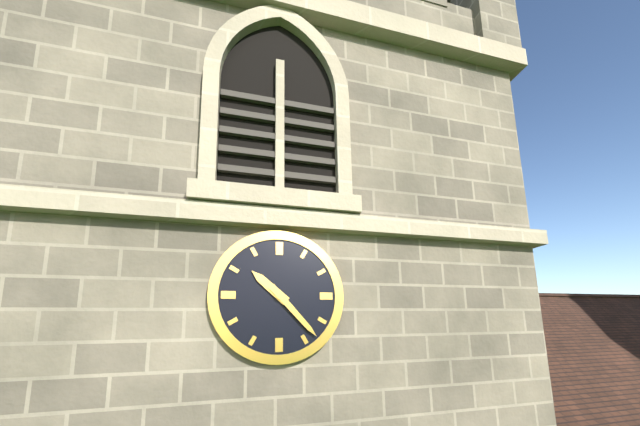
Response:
10h23
